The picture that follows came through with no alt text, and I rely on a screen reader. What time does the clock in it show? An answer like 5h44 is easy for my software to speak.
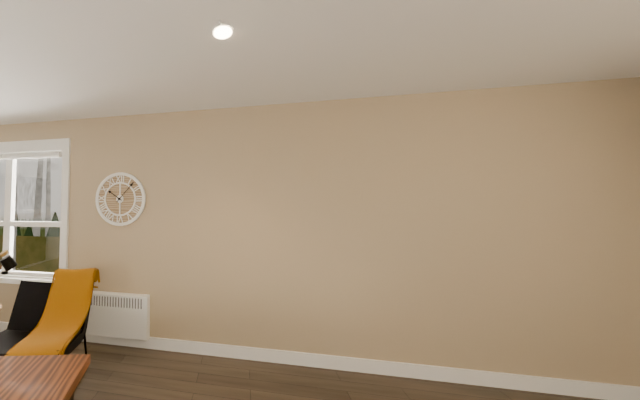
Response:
10h07
